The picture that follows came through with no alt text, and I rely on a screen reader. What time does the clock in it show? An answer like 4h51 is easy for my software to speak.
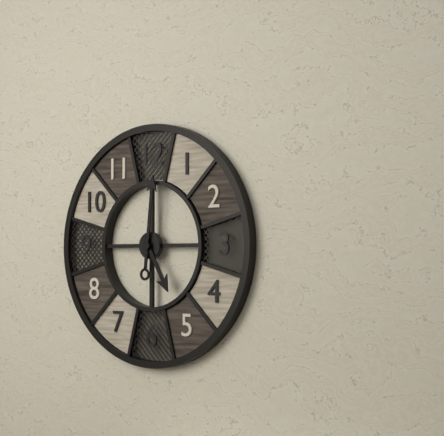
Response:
5h01
